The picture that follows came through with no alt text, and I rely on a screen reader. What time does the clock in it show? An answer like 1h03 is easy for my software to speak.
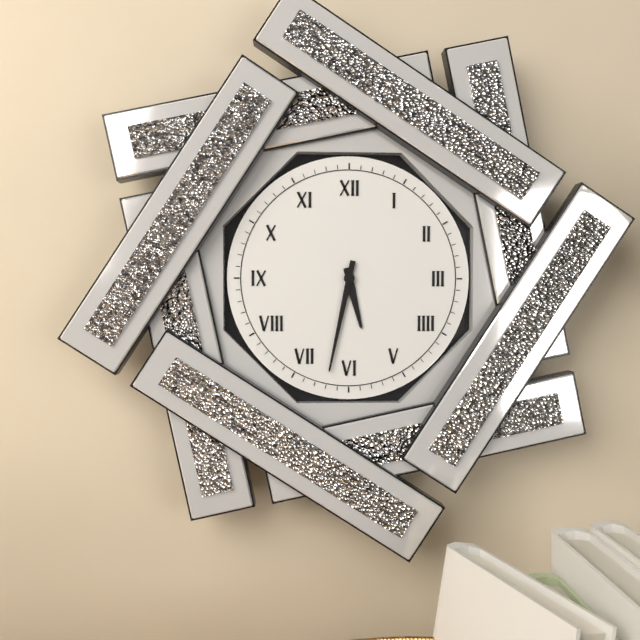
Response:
5h32
